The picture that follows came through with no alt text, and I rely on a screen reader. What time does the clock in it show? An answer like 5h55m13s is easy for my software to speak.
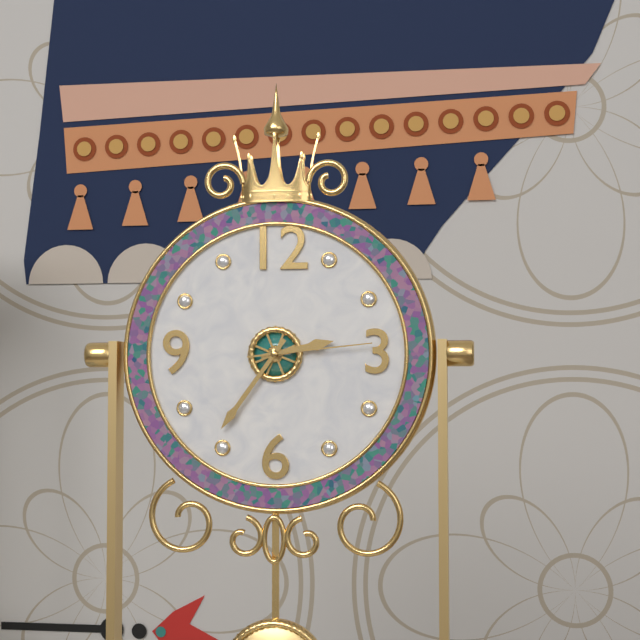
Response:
2h36m14s
